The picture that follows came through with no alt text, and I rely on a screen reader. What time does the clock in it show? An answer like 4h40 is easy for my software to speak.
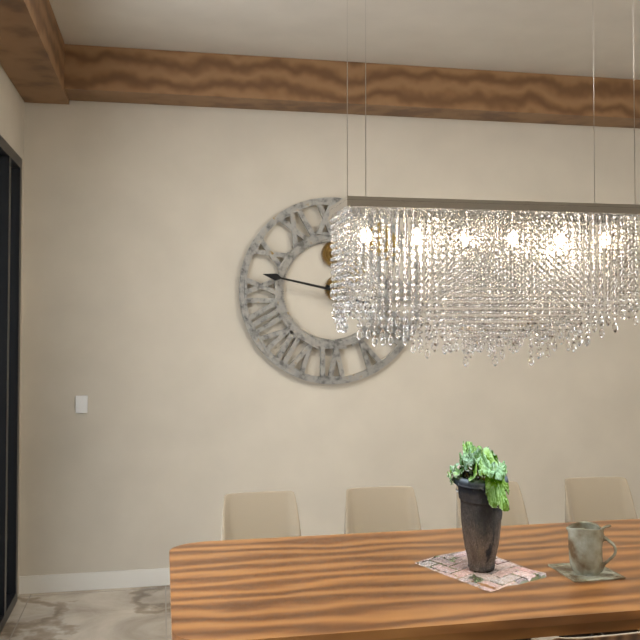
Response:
3h47
